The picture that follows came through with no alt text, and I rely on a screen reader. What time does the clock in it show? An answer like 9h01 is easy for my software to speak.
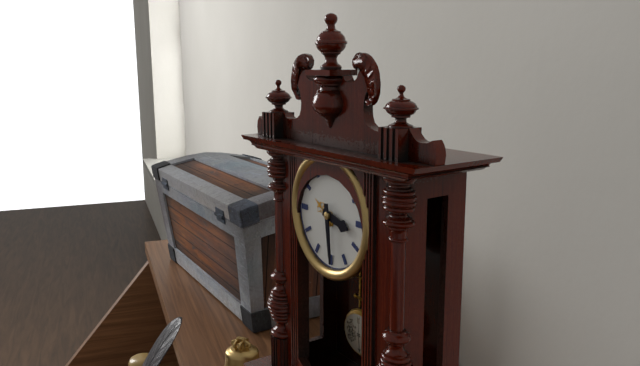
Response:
3h29
